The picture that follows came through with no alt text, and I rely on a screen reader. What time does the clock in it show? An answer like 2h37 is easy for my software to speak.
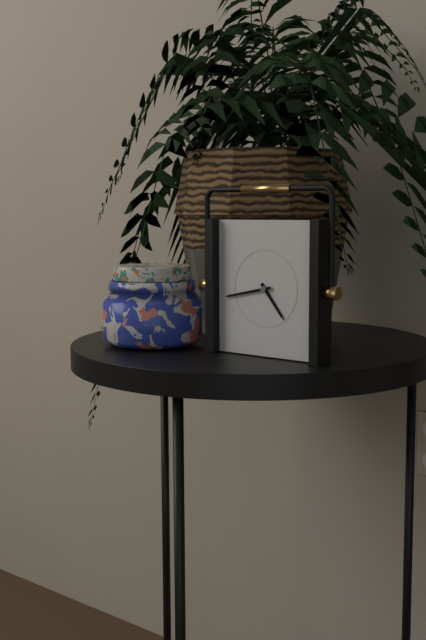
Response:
4h43
